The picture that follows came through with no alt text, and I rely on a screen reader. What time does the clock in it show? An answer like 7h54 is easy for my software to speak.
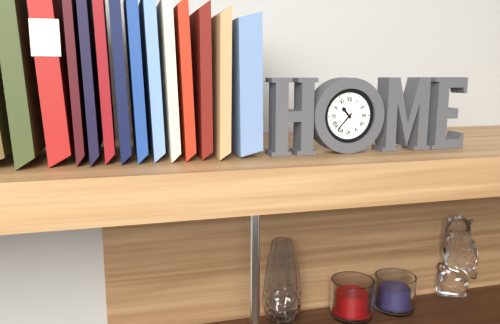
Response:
10h37
